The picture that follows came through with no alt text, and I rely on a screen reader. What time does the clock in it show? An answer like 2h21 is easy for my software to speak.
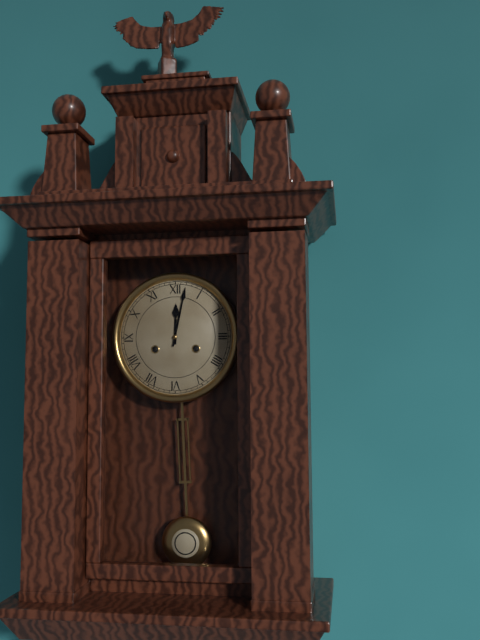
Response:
12h02
